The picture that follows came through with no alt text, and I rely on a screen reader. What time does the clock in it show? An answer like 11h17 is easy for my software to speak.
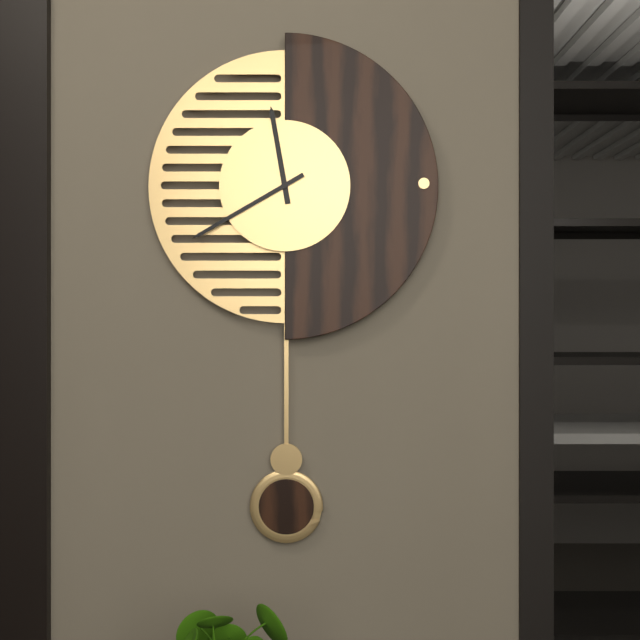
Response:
11h40
